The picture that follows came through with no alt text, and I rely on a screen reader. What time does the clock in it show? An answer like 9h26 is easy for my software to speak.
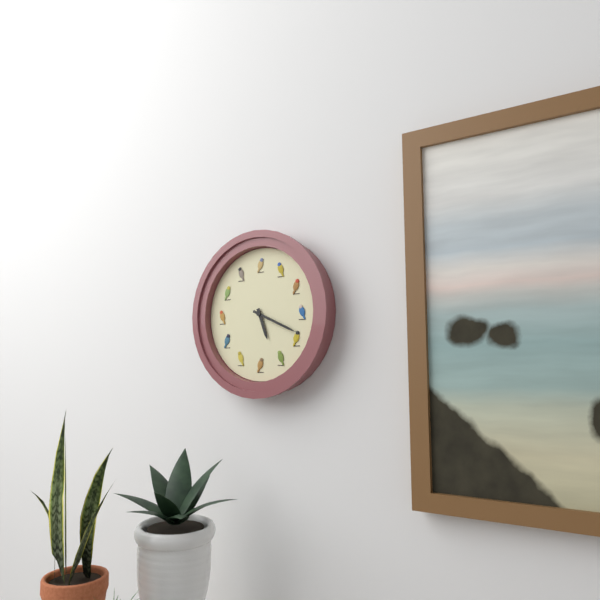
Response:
5h19
